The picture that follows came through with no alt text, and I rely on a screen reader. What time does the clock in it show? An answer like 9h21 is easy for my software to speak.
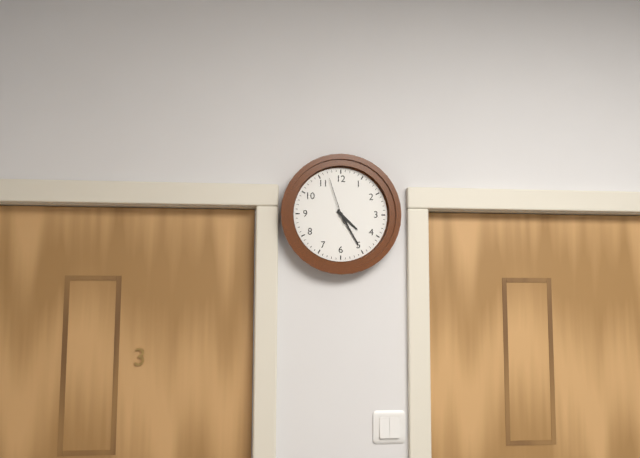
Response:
4h25
